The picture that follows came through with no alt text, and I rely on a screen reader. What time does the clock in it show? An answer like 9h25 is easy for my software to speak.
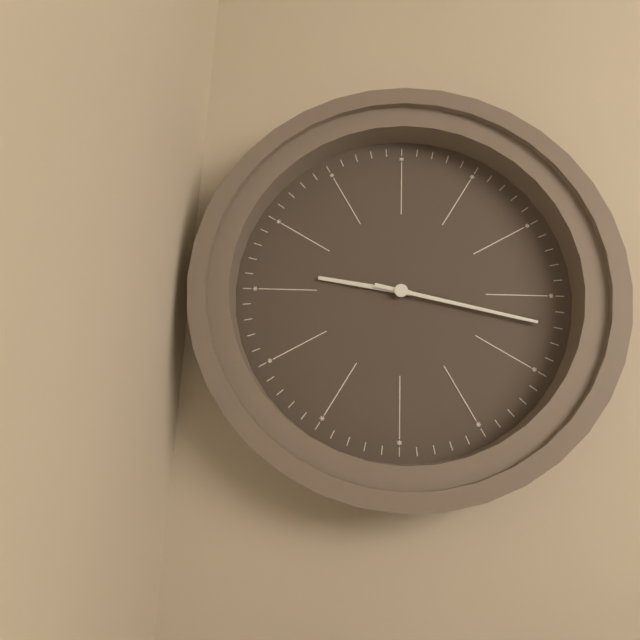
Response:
9h17
